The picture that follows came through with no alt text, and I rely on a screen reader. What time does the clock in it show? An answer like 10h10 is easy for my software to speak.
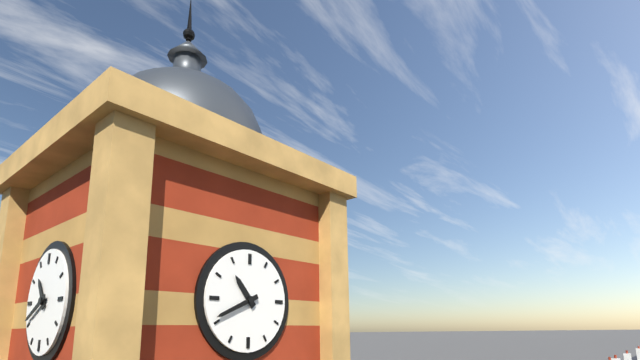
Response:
10h41
